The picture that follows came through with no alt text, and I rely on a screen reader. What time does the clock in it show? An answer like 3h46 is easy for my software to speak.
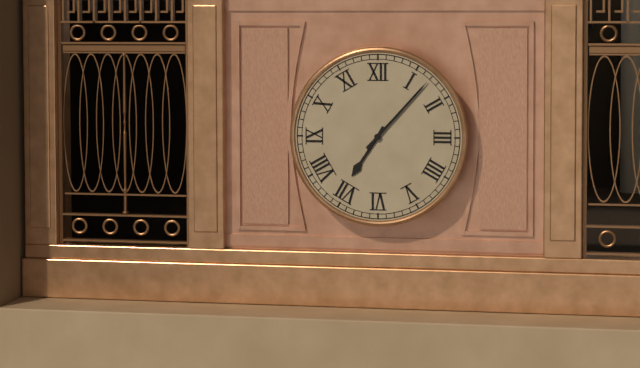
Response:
7h07
